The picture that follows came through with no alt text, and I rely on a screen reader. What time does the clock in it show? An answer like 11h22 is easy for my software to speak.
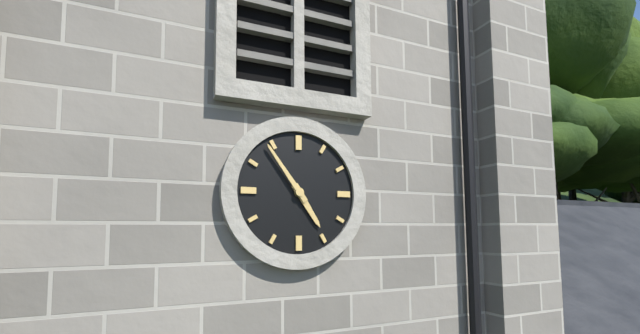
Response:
4h54
